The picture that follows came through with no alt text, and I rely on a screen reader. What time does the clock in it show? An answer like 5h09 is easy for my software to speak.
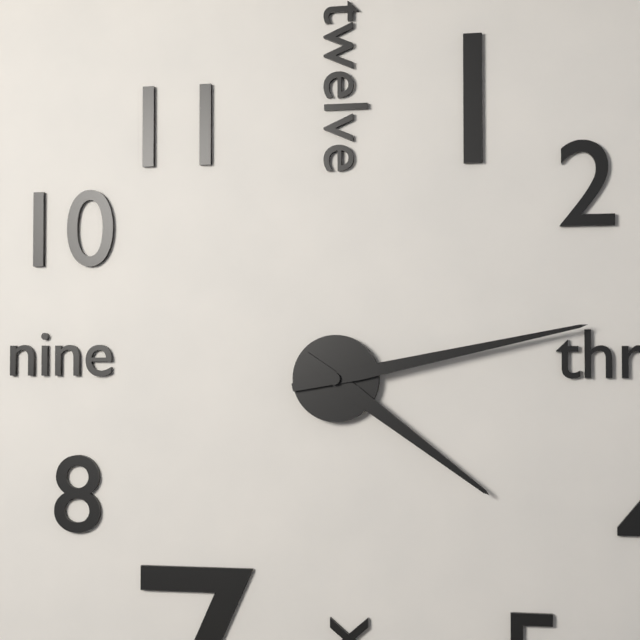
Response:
4h13
